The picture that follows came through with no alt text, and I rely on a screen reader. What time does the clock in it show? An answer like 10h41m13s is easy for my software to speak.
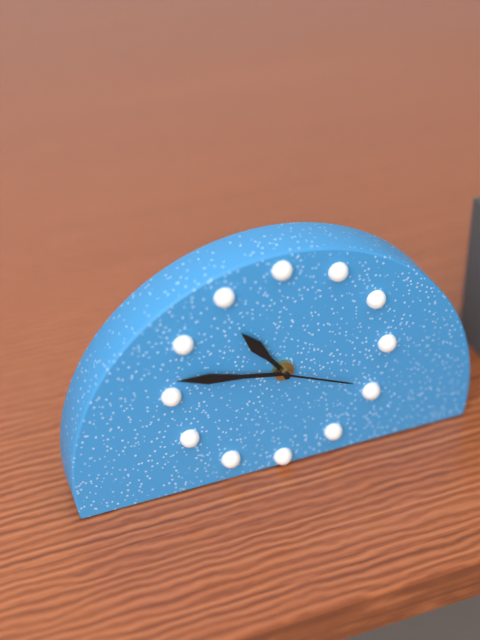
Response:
10h47m19s
